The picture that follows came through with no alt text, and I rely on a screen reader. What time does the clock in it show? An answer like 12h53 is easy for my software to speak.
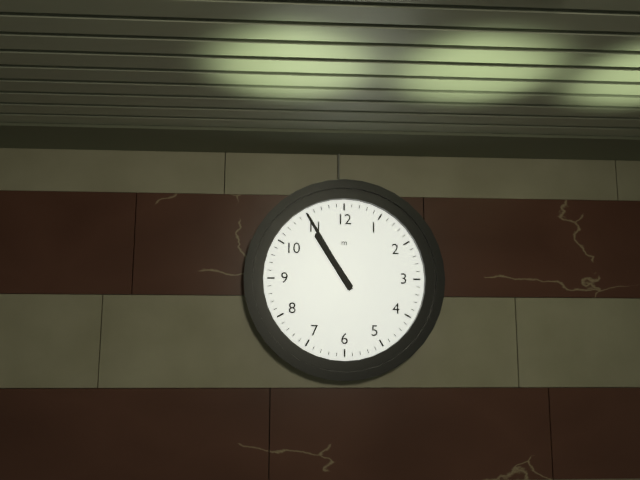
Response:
10h55
